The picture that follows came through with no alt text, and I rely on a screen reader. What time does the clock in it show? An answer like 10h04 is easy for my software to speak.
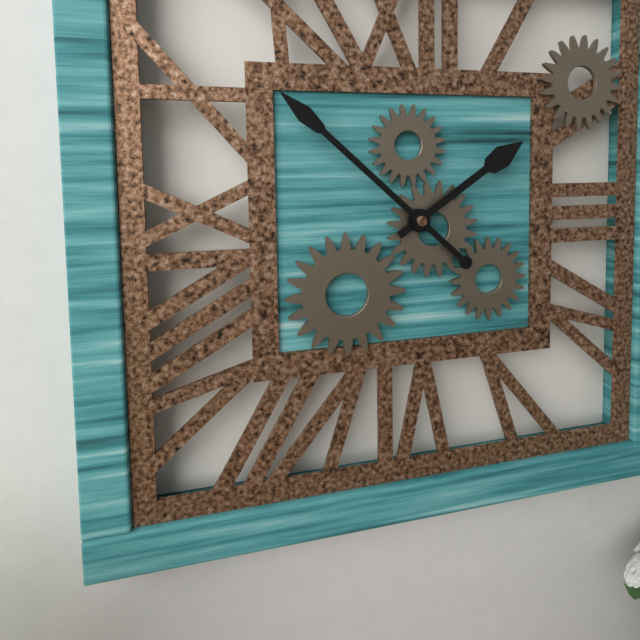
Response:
1h52
